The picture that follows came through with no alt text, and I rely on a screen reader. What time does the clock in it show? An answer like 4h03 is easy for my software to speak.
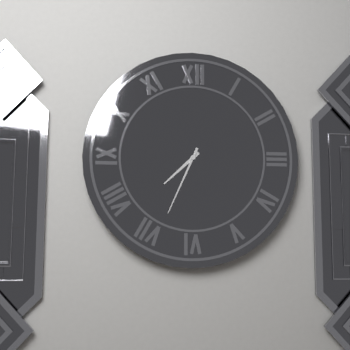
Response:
7h34
